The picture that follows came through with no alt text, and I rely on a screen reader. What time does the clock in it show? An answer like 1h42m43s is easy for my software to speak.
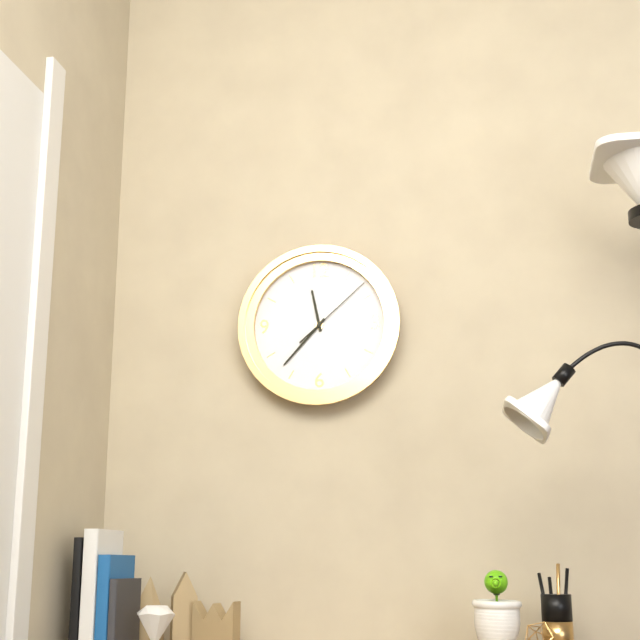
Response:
11h37m08s
